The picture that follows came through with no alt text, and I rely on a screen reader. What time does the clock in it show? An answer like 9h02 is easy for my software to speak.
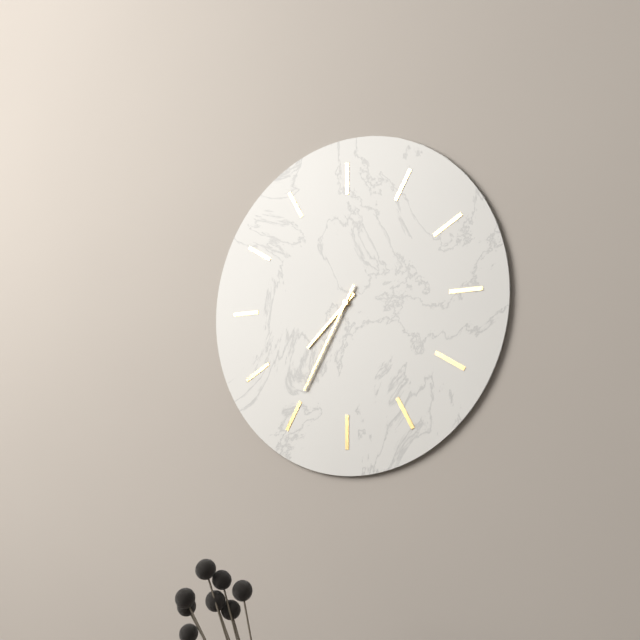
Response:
7h35
